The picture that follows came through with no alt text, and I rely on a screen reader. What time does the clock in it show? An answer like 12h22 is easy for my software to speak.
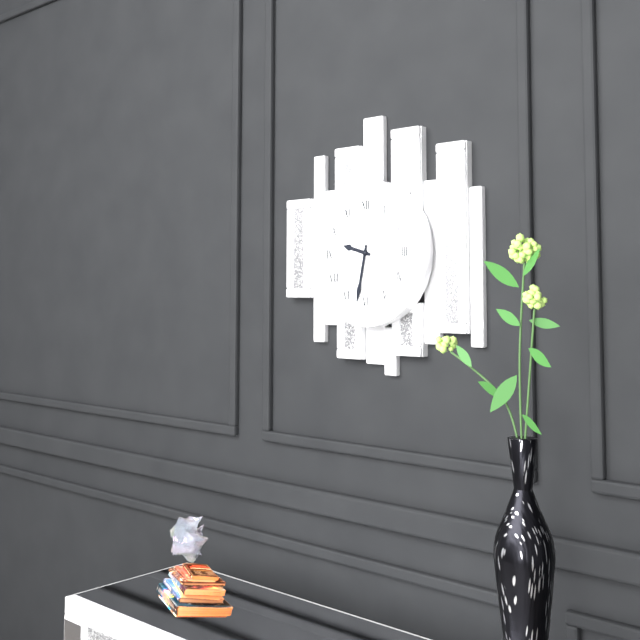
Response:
9h32
